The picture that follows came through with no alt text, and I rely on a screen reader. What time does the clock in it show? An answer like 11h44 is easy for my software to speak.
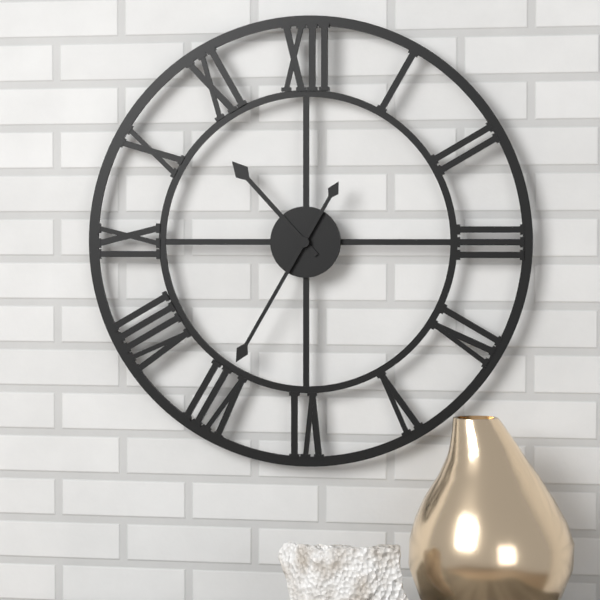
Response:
10h35
